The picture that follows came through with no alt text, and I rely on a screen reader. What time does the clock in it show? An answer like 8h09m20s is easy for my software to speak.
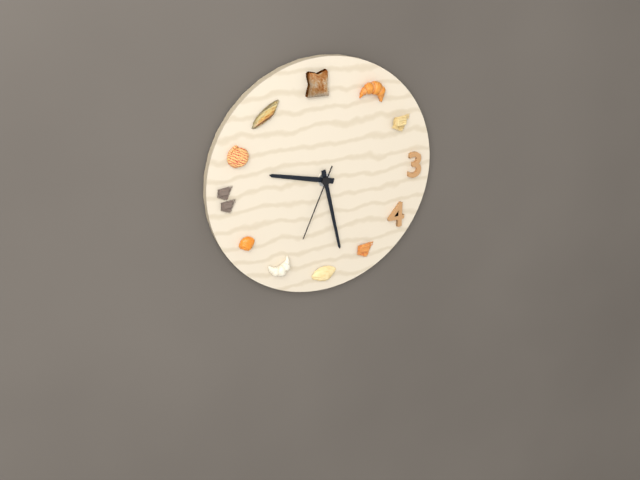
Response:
9h28m34s
